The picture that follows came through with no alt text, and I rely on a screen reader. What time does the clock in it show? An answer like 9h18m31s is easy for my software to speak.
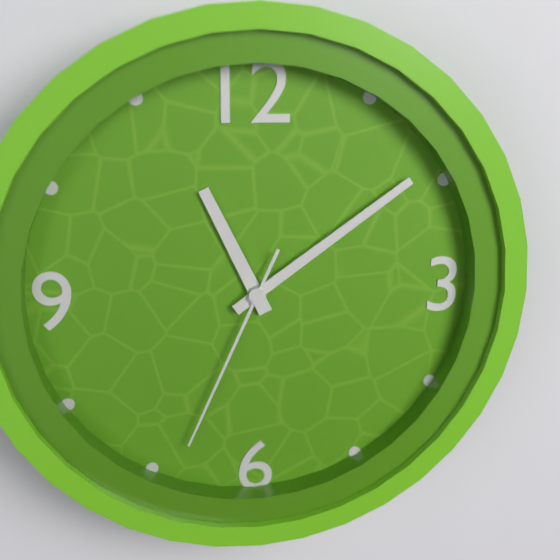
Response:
11h09m34s
